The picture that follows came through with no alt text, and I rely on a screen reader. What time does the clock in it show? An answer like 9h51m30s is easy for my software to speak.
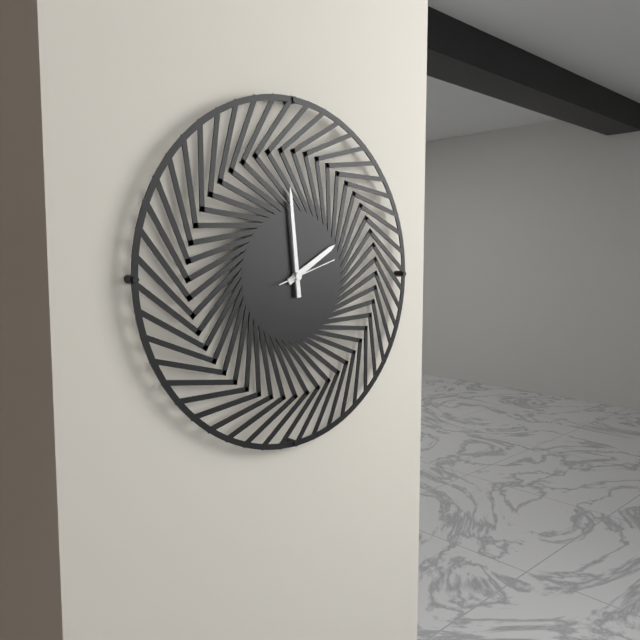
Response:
1h59m12s
